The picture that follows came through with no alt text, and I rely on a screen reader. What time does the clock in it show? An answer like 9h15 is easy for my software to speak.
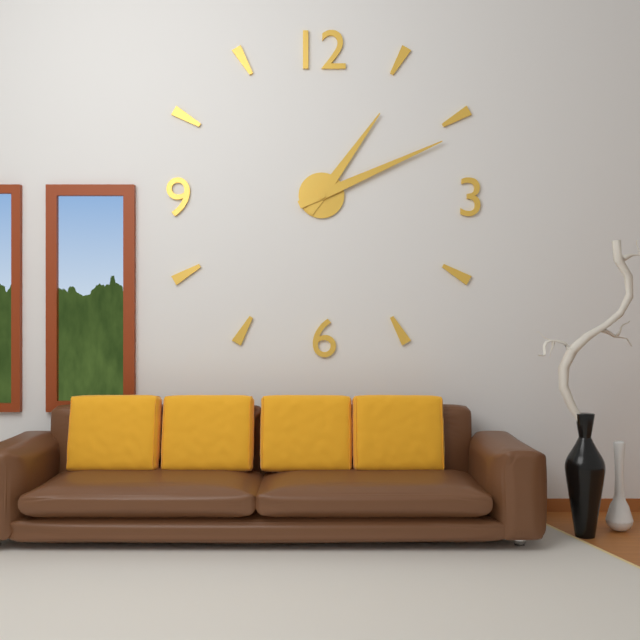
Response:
1h11
